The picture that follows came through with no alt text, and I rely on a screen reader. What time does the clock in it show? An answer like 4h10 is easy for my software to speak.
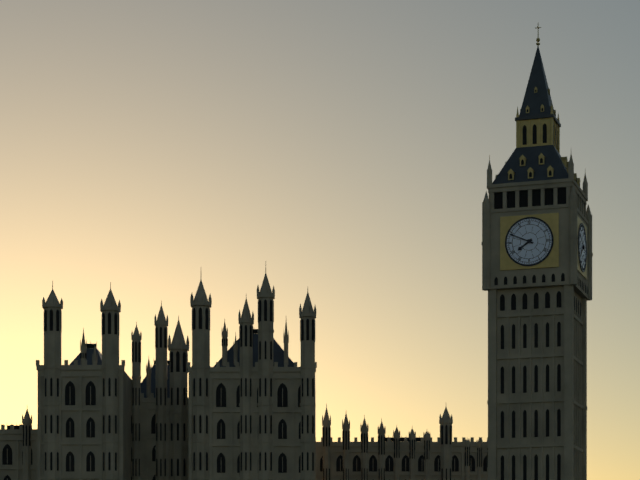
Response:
7h49
